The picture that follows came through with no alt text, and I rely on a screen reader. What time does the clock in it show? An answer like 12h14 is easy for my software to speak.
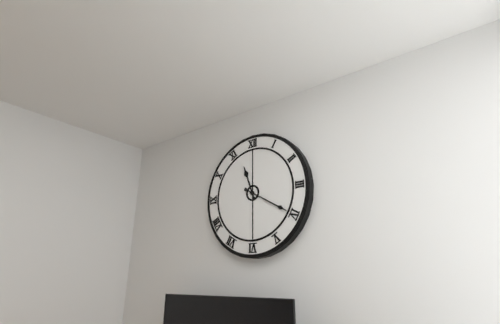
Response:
11h20
